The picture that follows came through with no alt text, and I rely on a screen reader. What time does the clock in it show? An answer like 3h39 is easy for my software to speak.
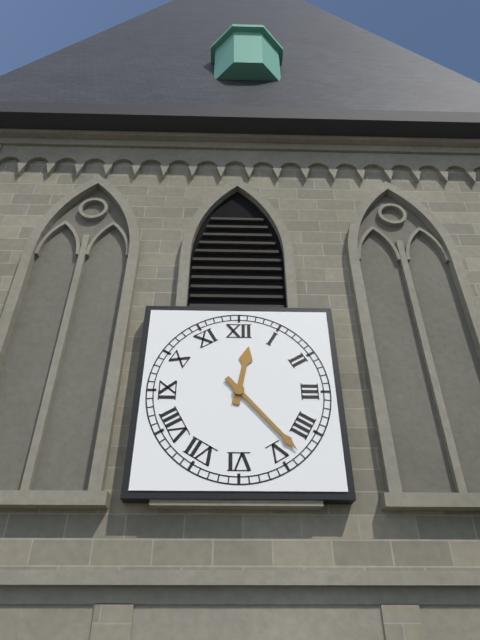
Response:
12h23
